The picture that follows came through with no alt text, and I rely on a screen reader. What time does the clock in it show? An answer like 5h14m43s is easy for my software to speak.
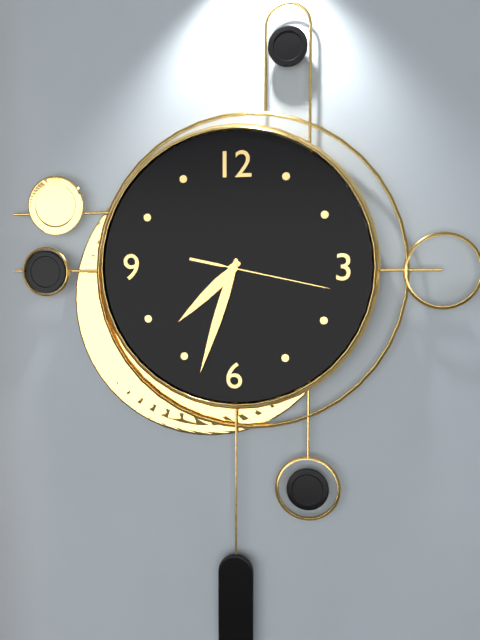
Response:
7h33m17s
